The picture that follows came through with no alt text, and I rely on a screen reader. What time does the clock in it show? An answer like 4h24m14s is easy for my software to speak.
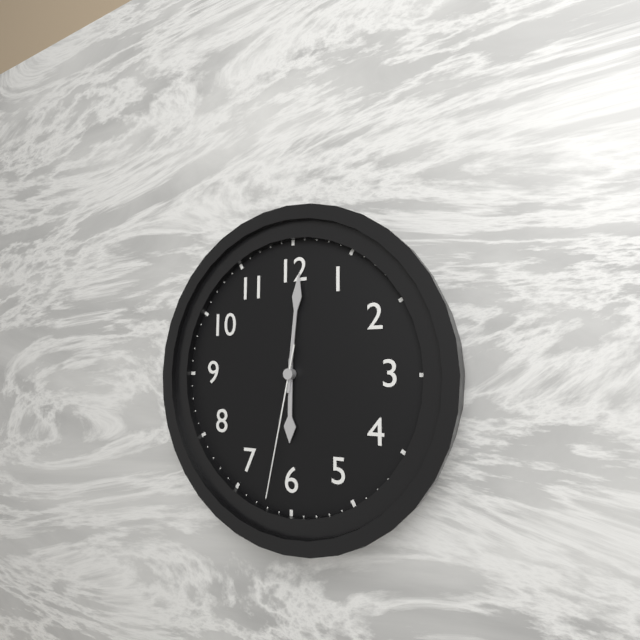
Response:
6h01m32s
